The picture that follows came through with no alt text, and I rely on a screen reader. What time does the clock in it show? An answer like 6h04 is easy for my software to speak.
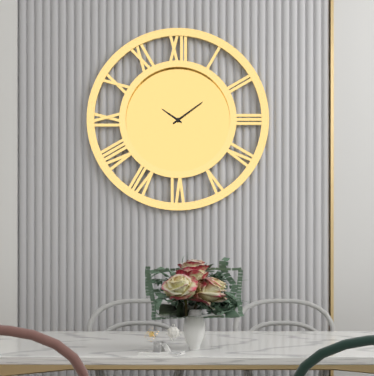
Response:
10h09
